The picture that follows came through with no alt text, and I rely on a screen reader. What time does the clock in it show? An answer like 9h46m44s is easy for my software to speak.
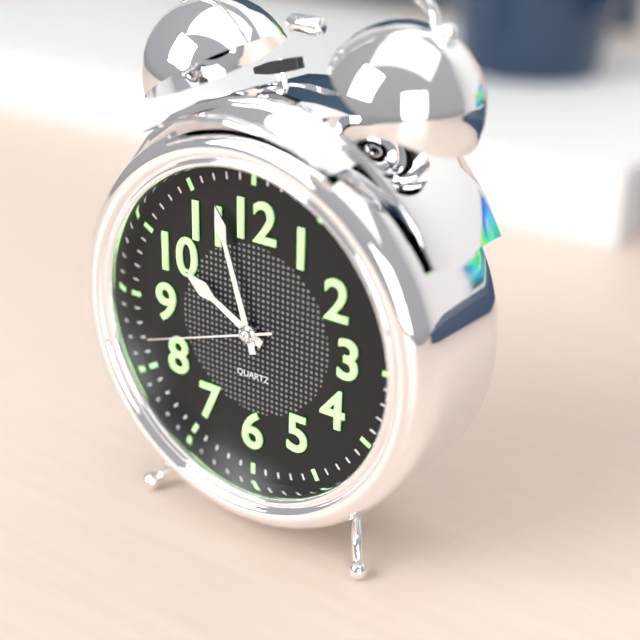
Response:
9h57m42s
